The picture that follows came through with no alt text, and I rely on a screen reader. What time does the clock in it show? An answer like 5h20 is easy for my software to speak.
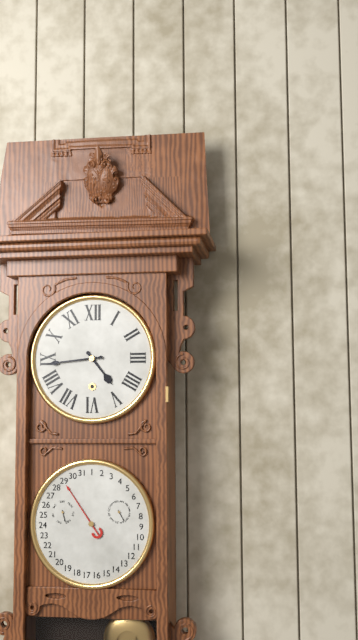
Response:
4h44
